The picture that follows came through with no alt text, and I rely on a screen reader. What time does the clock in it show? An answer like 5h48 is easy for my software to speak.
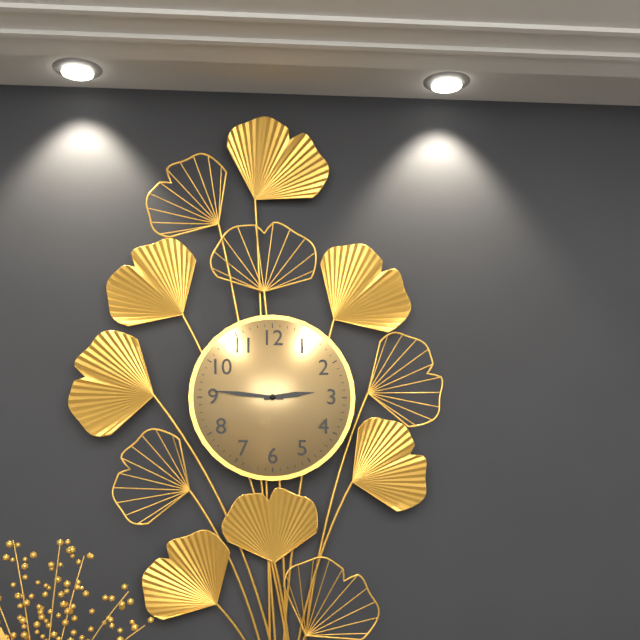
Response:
2h46
